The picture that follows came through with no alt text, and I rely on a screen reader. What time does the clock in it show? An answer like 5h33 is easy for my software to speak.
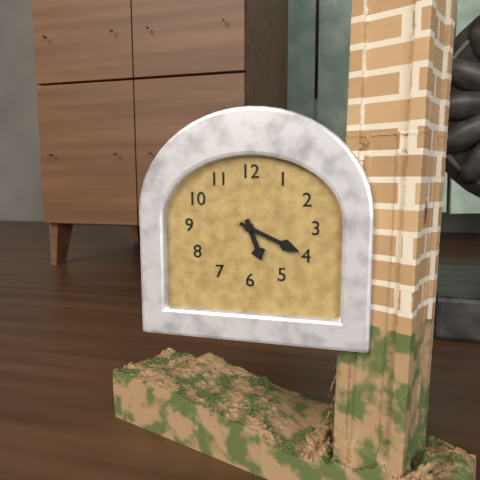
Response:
5h19
